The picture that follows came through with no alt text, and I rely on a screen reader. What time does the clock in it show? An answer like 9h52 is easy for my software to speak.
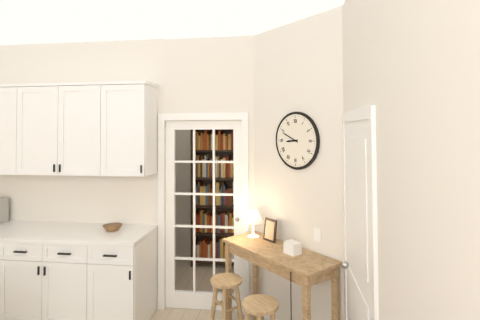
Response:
8h49
